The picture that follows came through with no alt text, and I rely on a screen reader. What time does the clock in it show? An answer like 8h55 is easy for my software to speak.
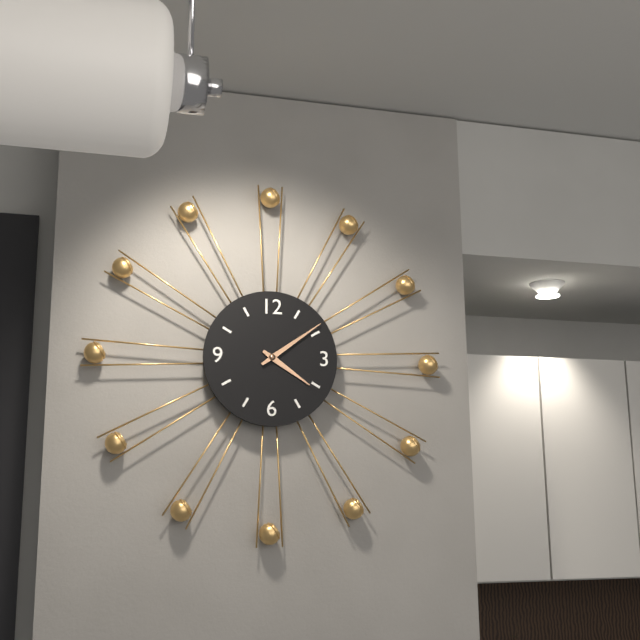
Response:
4h09
